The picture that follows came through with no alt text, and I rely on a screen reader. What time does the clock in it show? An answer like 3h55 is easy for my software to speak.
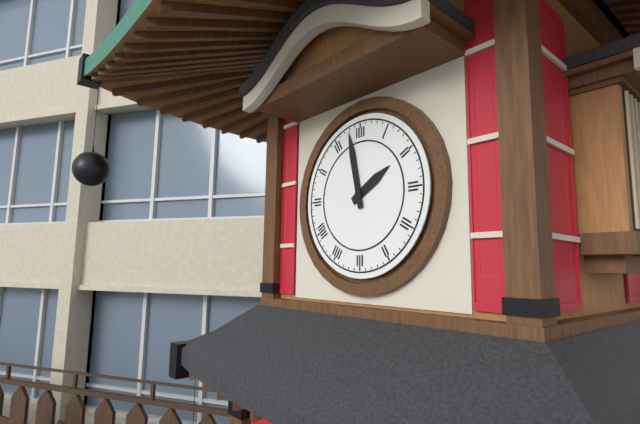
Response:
1h58
